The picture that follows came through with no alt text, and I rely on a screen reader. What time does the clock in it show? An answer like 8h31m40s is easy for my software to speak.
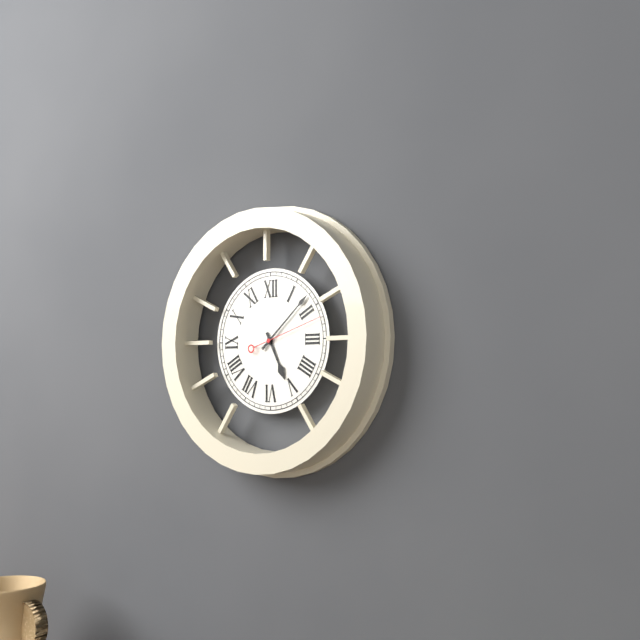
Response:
5h08m12s
